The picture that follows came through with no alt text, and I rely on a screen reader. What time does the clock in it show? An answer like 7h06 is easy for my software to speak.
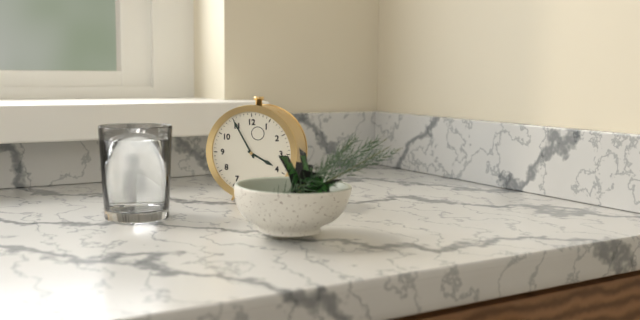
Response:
3h55
